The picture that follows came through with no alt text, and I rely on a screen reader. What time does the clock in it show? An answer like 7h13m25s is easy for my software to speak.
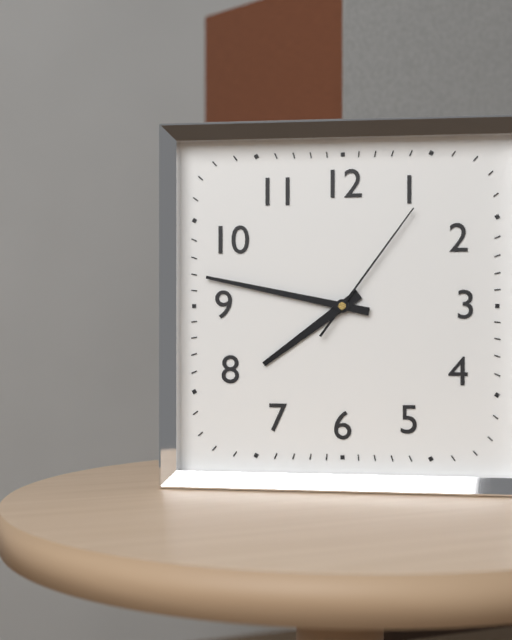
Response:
7h47m06s
